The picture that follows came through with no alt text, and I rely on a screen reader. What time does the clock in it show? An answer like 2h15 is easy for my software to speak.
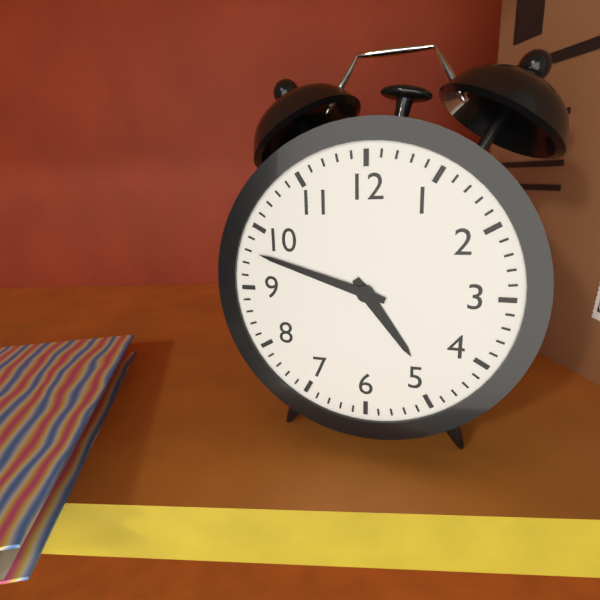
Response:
4h48
